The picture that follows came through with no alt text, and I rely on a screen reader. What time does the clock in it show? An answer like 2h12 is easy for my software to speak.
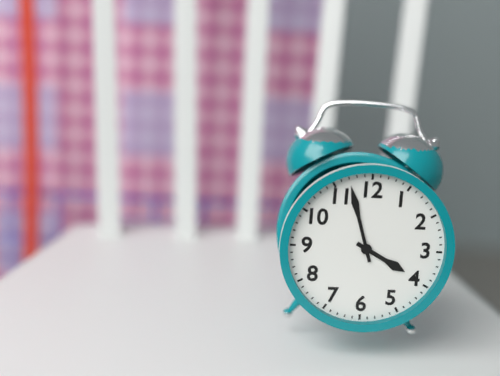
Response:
3h57
